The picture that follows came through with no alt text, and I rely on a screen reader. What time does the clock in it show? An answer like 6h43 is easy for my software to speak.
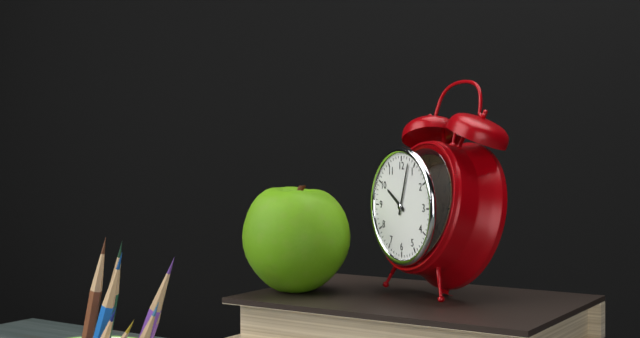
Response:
10h03
